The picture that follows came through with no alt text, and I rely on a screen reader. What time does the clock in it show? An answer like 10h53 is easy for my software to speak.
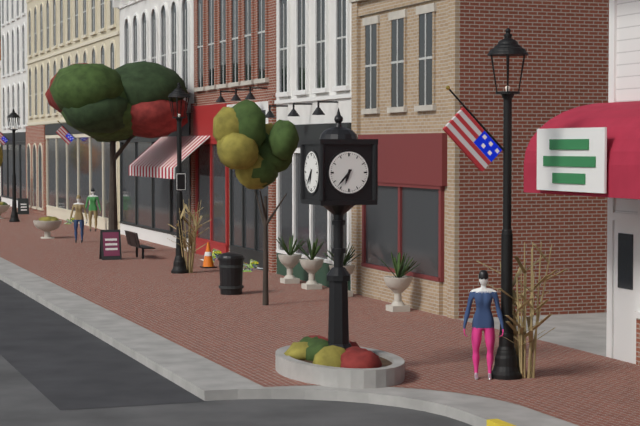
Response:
6h37
